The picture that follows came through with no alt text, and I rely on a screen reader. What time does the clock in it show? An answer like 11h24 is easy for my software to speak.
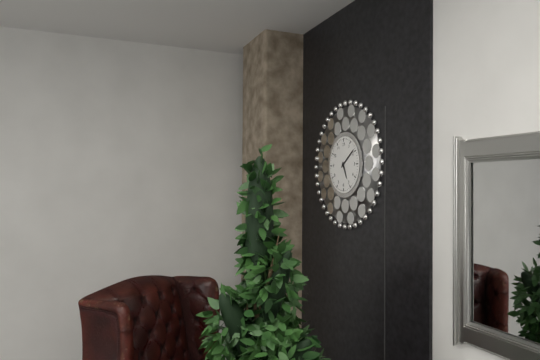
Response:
5h09
